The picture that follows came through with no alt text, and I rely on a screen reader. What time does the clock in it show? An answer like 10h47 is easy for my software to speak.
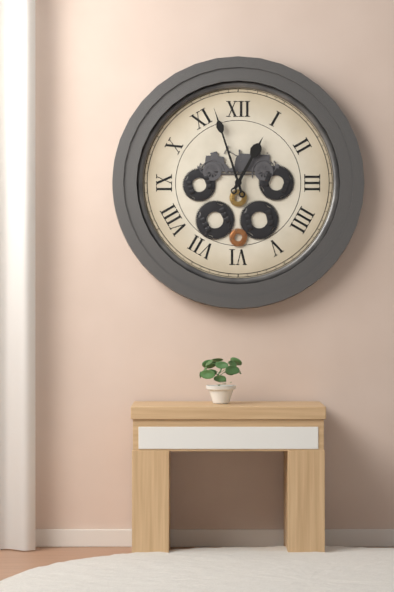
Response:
12h57
